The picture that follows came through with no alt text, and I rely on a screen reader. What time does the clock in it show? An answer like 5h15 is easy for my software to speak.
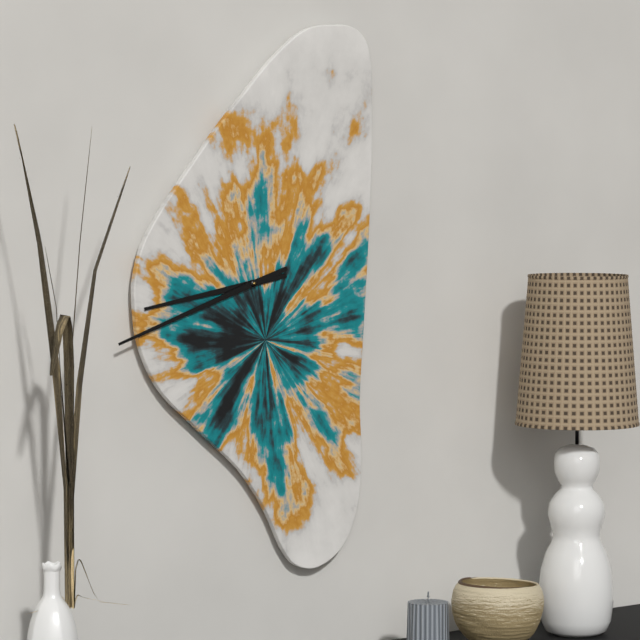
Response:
8h42
